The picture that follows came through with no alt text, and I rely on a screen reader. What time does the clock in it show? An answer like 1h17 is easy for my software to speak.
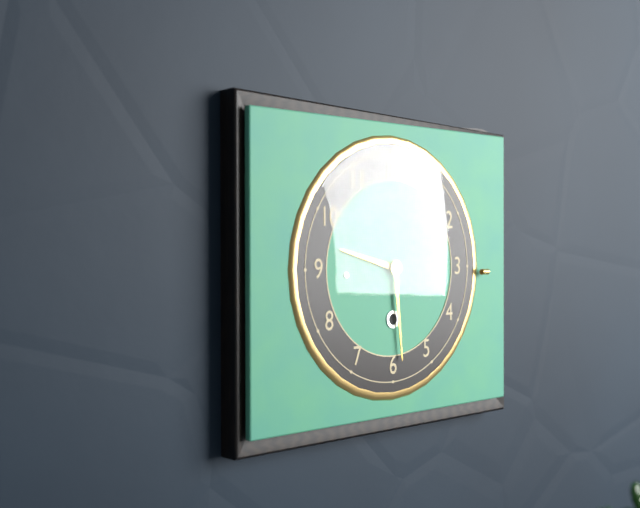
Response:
9h29
